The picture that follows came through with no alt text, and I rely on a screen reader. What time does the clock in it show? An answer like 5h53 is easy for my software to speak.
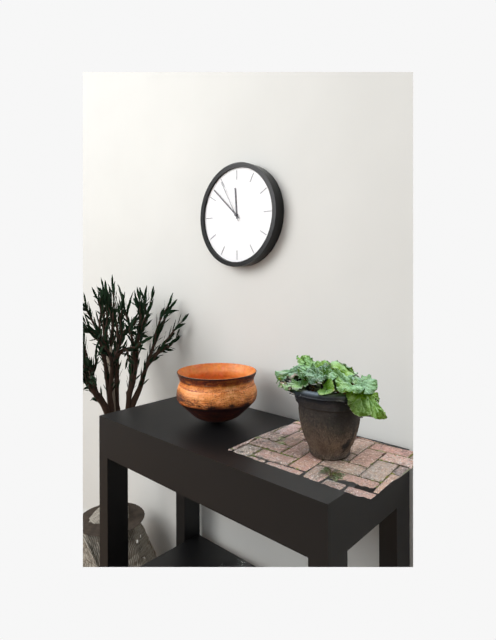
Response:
11h52
